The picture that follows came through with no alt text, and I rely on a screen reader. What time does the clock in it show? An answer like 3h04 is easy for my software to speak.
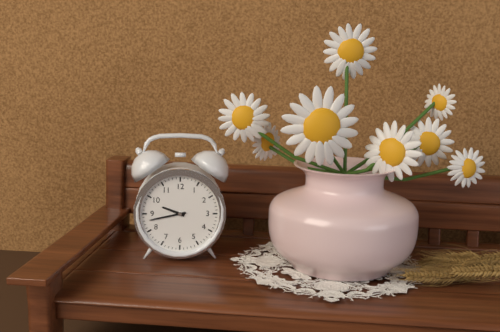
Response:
9h43
